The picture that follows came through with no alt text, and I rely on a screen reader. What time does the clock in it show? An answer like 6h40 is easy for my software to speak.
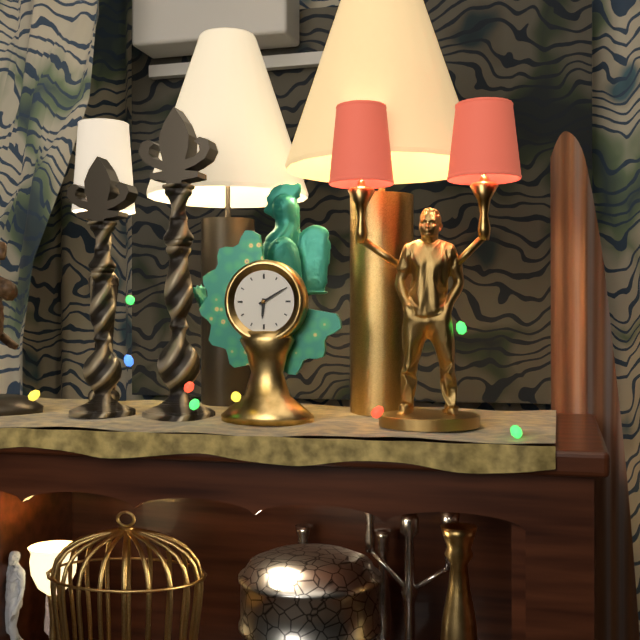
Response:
6h10
